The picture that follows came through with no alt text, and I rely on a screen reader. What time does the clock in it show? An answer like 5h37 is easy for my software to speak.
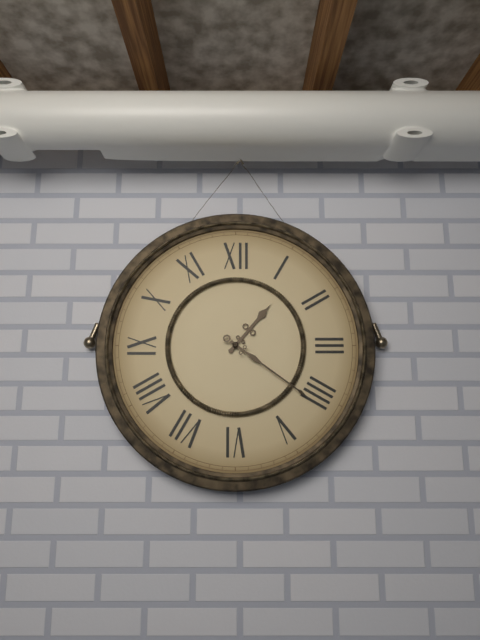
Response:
1h21
